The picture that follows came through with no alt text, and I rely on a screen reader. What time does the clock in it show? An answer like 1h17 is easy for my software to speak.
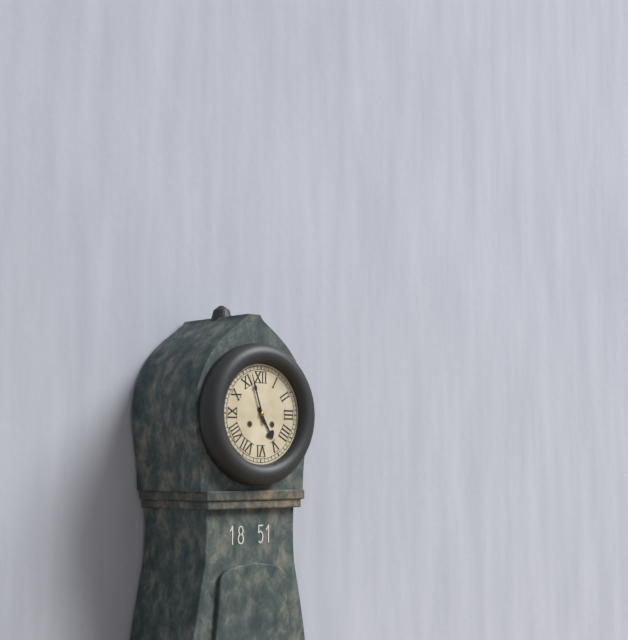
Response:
4h57
